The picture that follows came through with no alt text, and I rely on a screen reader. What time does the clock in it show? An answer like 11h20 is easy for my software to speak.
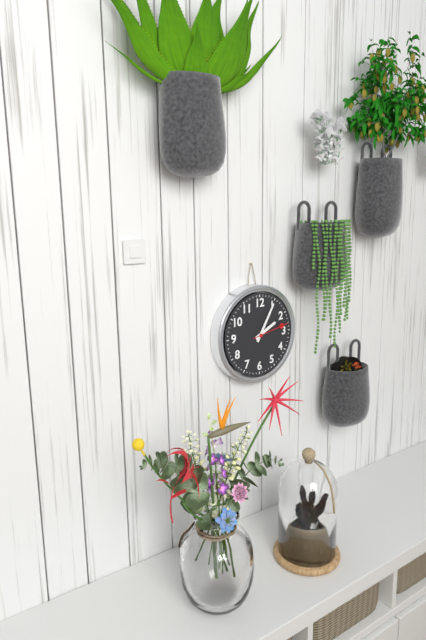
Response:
2h05
